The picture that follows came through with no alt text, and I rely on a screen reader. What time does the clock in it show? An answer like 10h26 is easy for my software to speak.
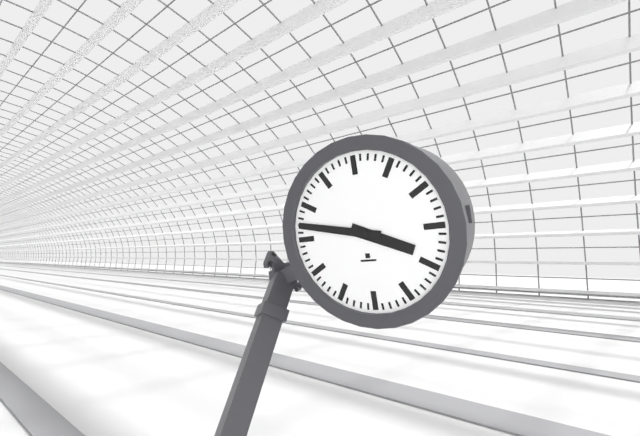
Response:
3h47
